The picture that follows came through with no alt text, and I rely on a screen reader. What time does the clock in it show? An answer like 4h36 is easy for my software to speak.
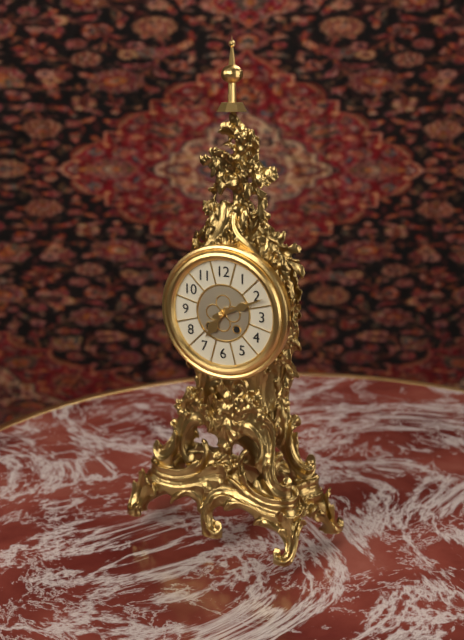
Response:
7h11
